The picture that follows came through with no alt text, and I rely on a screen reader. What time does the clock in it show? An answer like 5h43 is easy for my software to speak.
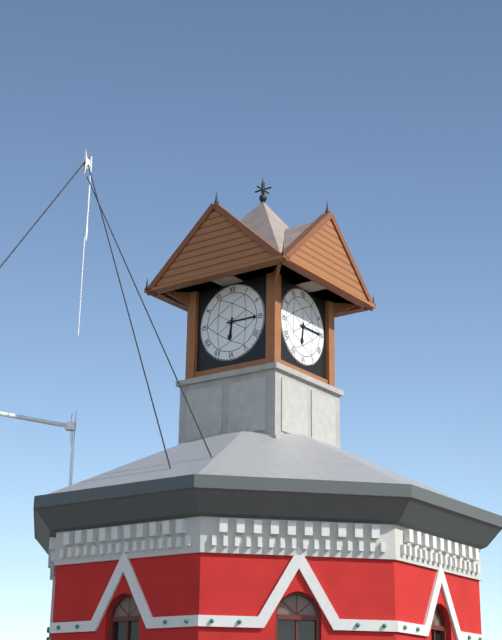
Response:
6h15
